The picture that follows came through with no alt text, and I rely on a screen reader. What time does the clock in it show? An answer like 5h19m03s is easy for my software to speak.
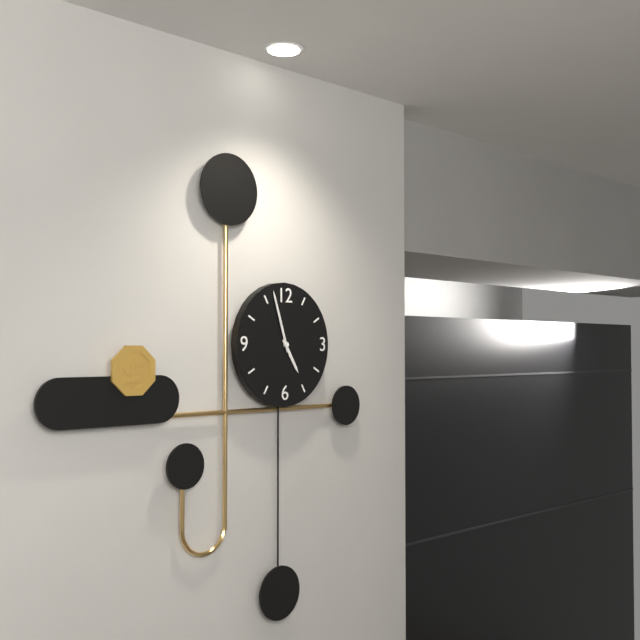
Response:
4h57m57s
